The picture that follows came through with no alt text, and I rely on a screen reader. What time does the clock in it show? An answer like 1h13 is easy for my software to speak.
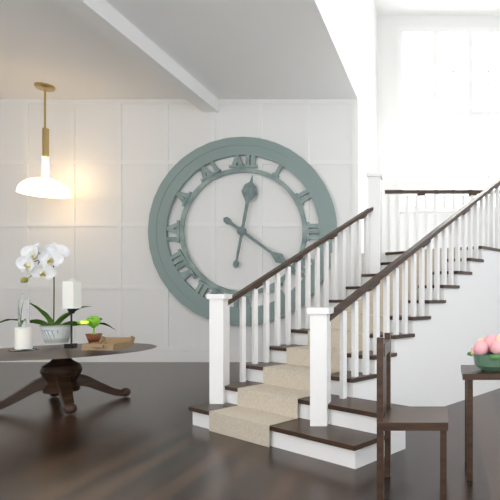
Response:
12h21
